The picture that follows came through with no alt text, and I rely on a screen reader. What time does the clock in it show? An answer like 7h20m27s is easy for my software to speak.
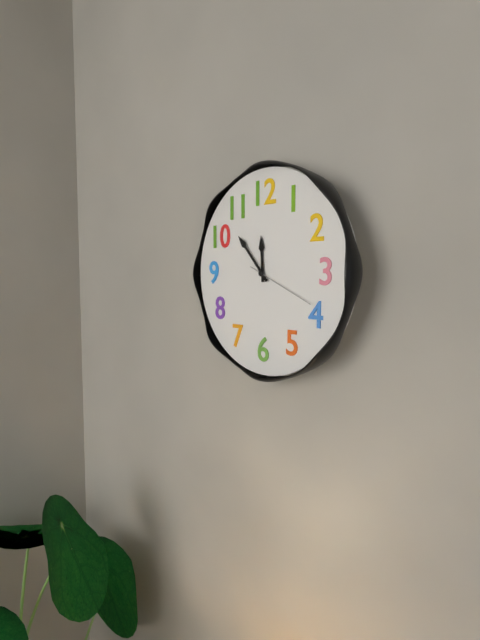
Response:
11h53m19s
